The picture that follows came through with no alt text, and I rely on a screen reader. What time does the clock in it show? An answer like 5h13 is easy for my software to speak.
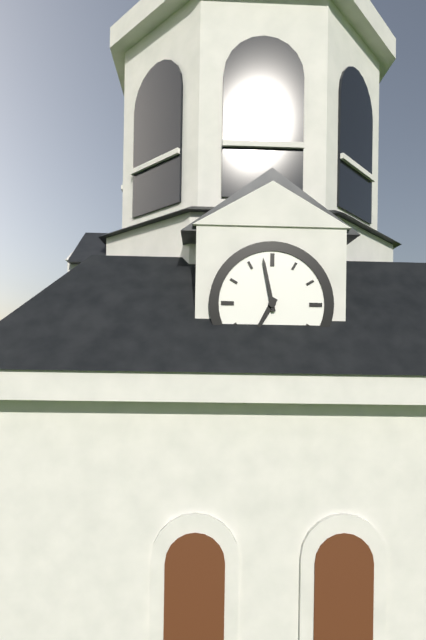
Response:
6h58
